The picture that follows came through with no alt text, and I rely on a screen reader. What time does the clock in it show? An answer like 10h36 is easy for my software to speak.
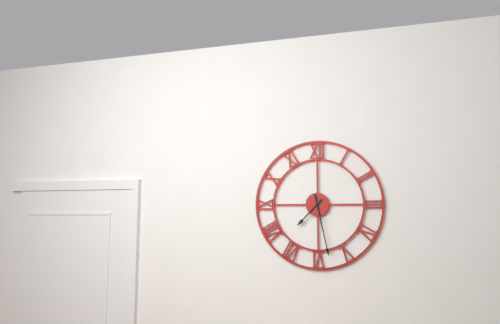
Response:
7h28
